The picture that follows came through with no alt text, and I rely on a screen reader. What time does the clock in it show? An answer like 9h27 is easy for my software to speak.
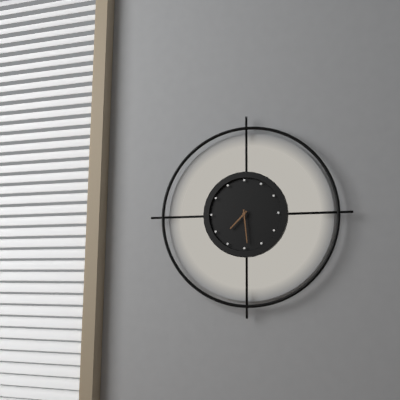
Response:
7h29
